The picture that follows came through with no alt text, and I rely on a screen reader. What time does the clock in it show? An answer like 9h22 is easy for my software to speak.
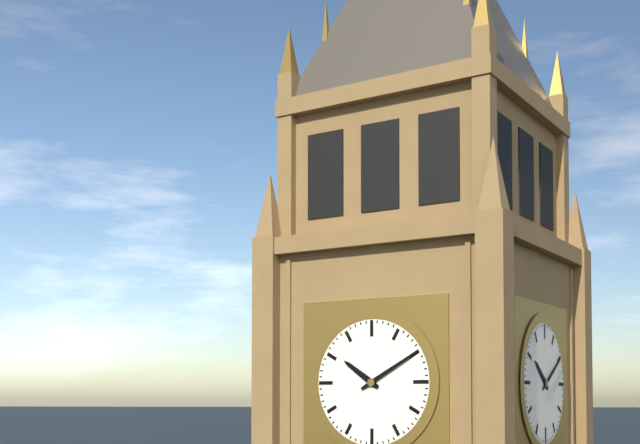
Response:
10h10
